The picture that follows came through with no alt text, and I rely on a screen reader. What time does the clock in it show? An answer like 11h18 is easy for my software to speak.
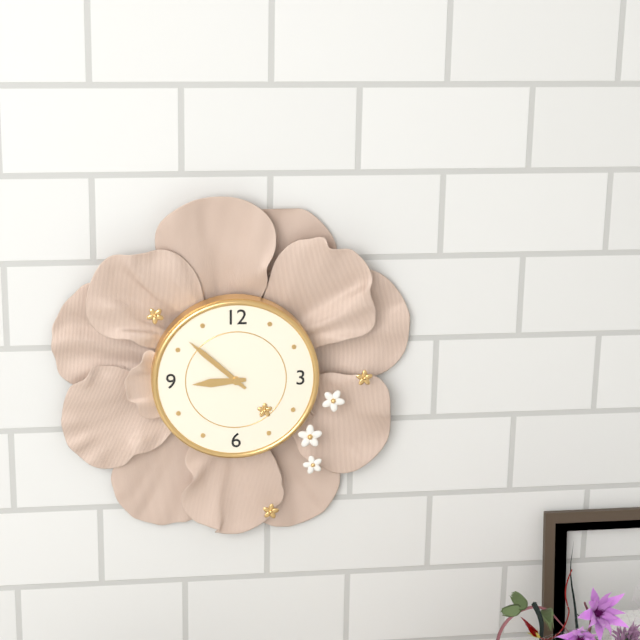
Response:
8h52
